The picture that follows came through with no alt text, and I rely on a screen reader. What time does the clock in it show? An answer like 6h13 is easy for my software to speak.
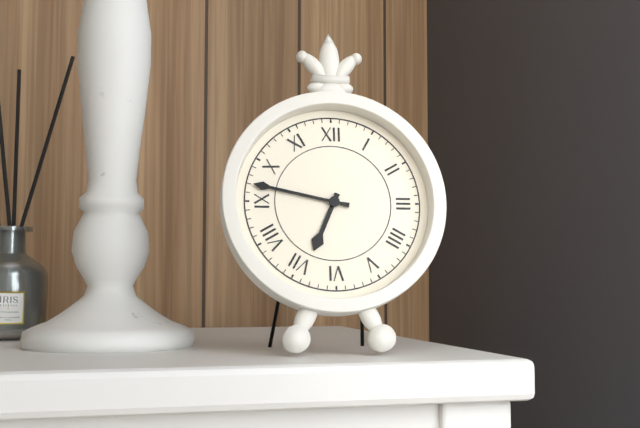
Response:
6h47
